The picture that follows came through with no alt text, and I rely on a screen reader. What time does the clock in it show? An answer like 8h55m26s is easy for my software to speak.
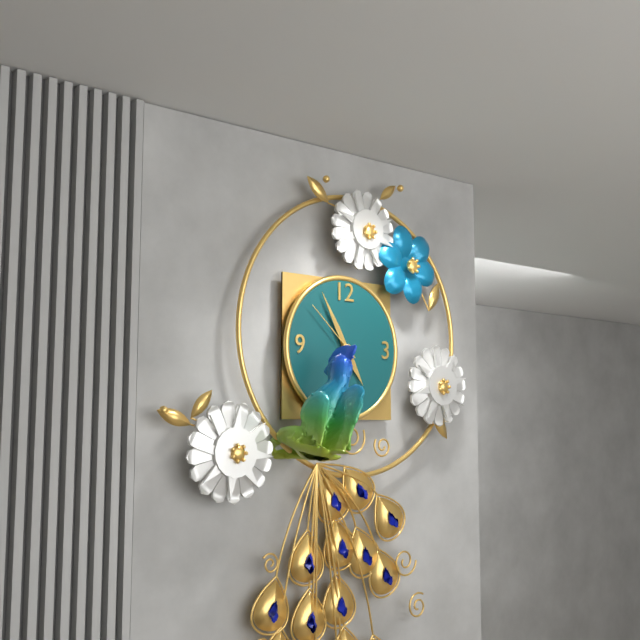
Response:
4h55m52s
